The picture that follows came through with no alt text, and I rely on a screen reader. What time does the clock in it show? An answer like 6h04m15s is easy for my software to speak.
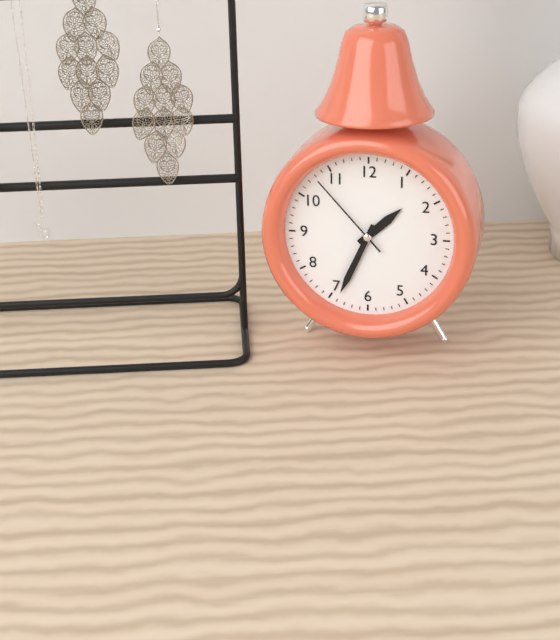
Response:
1h34m53s
